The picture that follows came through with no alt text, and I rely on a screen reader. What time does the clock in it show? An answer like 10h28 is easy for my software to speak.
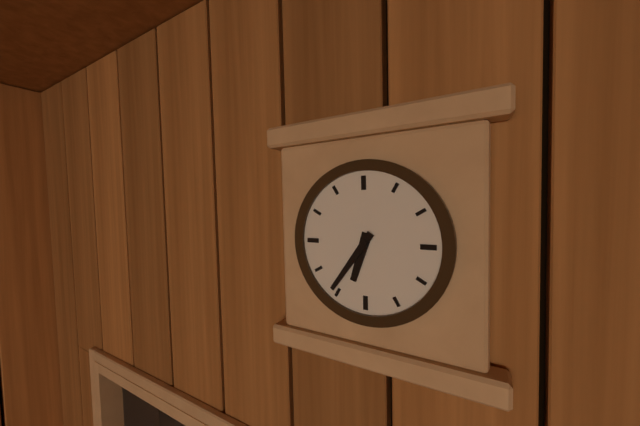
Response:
6h36
